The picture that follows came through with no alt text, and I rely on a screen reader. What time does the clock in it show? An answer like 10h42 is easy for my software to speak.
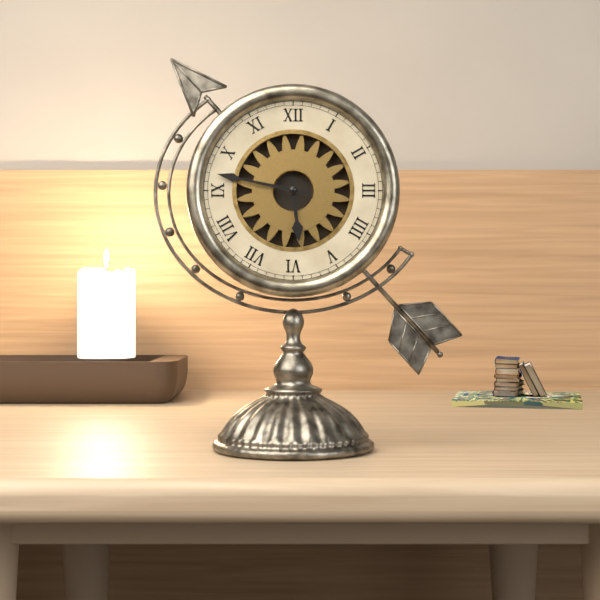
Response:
5h47
